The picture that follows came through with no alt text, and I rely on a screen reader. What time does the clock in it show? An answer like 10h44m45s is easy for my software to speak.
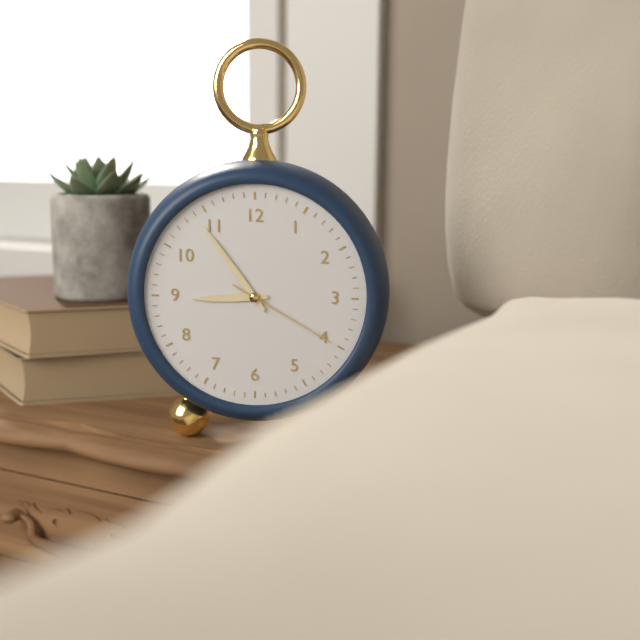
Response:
8h54m20s
